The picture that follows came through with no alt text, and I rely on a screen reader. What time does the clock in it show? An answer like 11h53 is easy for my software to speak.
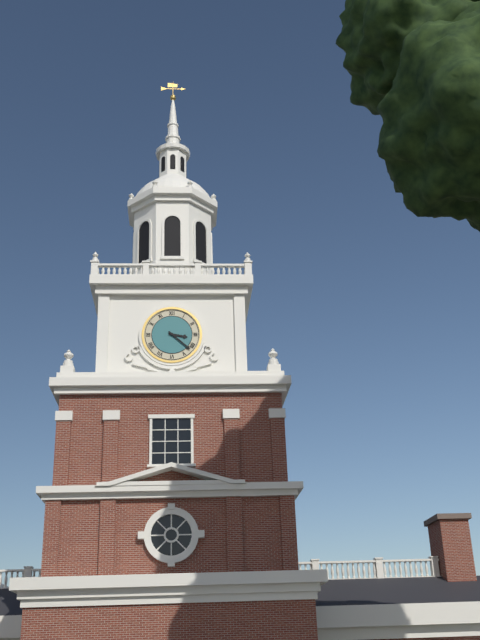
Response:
3h22
